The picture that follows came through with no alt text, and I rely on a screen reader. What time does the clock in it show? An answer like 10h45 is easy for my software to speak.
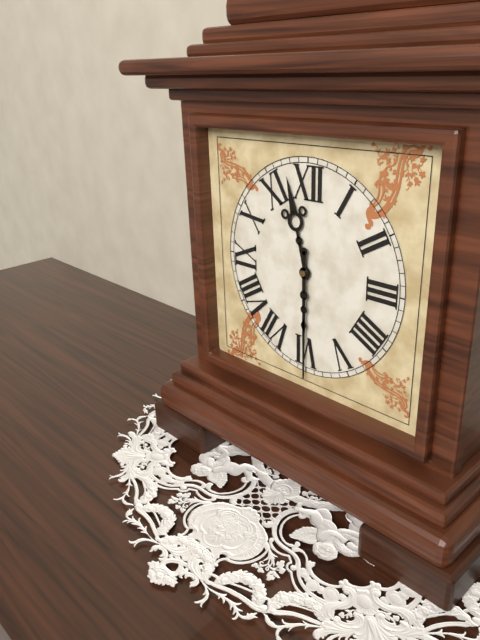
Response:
11h30
